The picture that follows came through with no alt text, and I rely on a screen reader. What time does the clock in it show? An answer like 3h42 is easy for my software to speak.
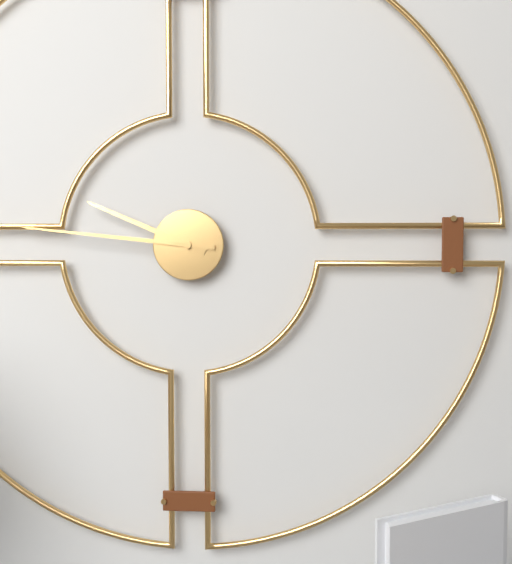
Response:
9h46
